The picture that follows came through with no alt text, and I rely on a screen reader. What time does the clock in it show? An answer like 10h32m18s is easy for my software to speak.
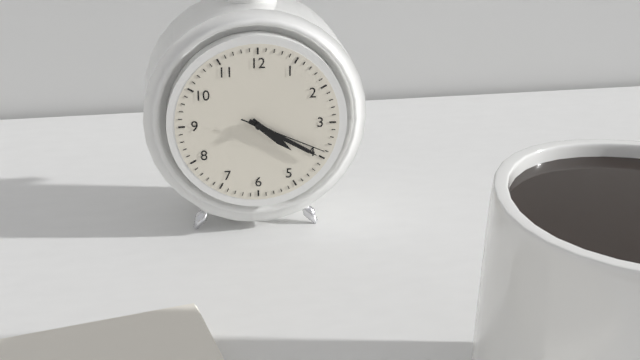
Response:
4h20m19s
